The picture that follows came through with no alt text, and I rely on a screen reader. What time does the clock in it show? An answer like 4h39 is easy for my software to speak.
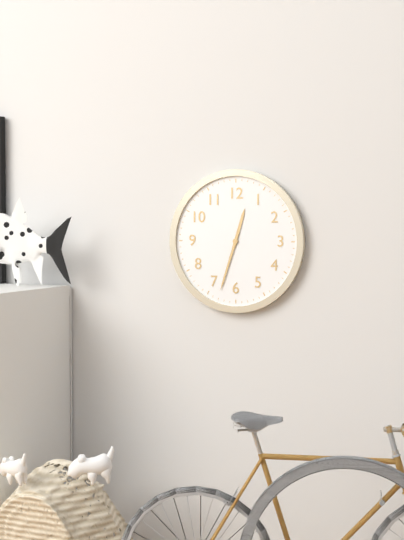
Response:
12h33
